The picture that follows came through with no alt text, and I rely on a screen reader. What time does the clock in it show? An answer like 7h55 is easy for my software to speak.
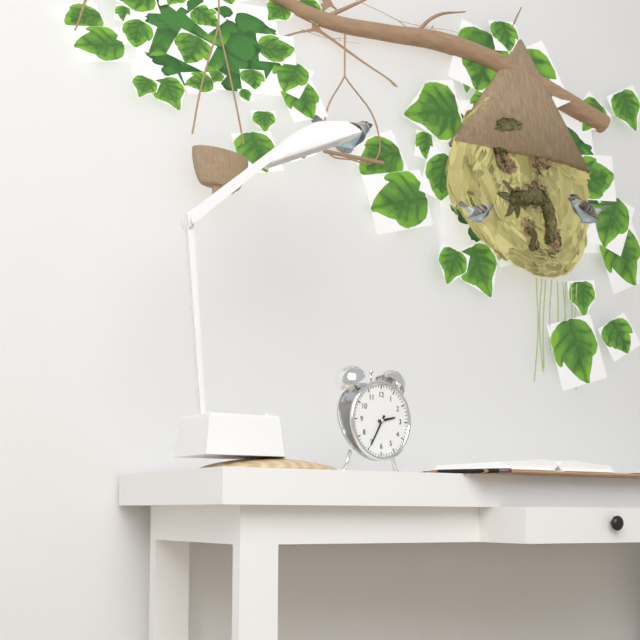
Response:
2h35
